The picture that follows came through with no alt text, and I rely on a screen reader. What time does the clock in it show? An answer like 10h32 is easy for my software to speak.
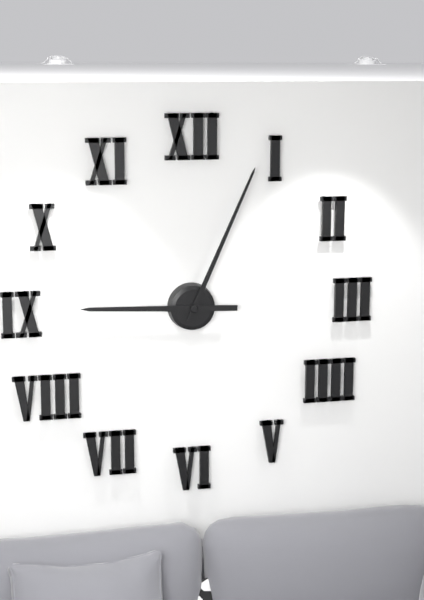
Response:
9h04
